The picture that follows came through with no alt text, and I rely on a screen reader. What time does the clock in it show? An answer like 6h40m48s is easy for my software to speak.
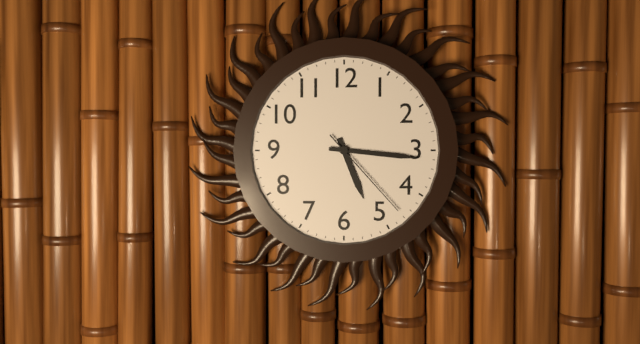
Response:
5h16m23s
